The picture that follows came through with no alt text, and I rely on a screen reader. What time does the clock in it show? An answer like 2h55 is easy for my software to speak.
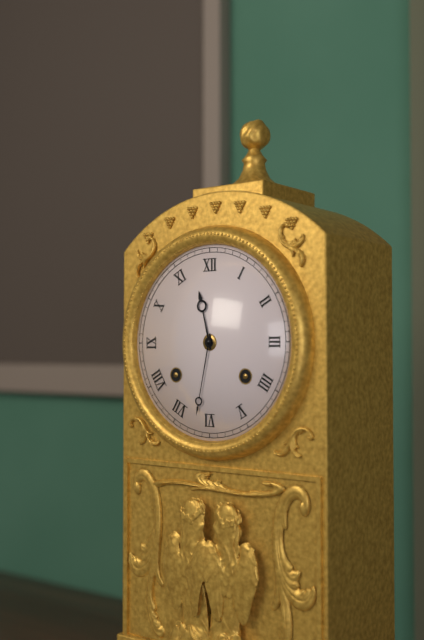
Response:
11h32
